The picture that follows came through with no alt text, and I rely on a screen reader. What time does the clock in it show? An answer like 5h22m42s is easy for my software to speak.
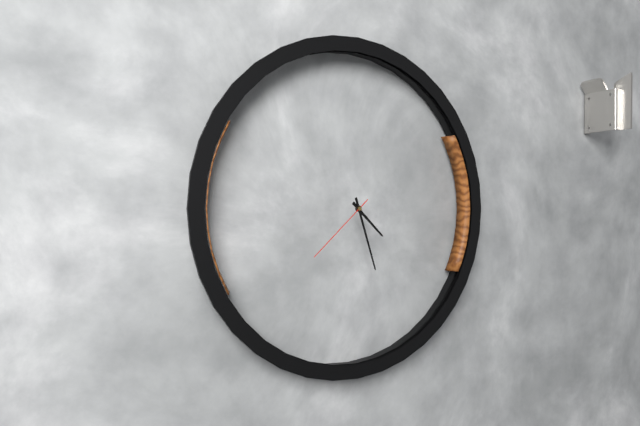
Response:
4h27m38s
